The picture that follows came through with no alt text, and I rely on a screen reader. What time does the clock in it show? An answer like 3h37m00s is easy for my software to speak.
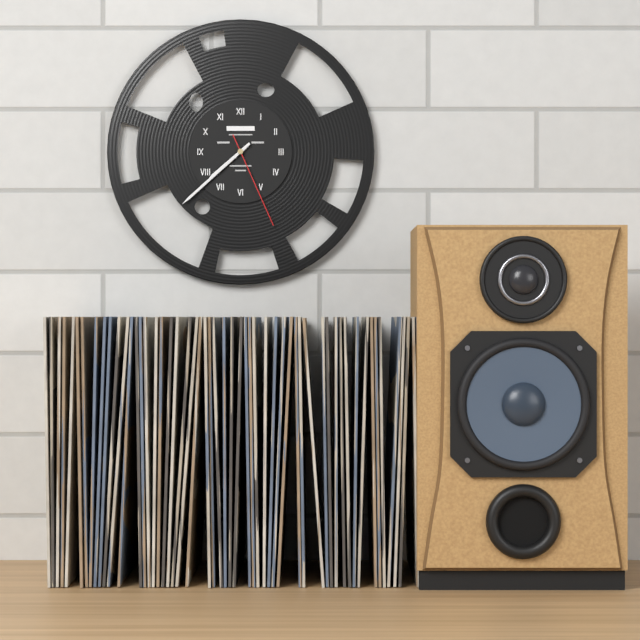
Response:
7h38m26s
